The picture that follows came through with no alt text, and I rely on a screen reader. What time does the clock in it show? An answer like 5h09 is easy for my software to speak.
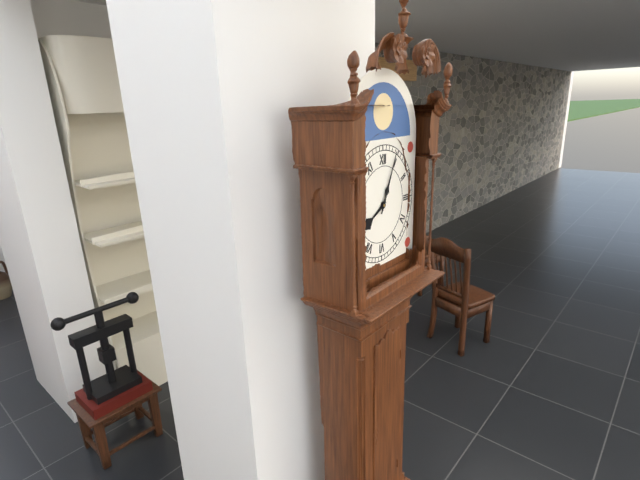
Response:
8h04
